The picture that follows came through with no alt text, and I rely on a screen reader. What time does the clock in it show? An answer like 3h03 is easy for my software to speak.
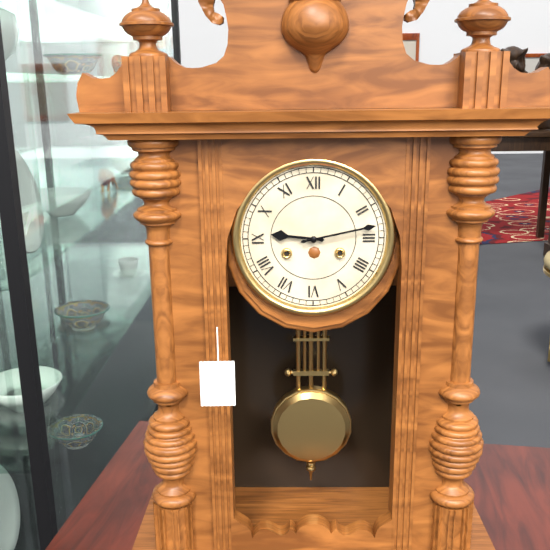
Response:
9h13
